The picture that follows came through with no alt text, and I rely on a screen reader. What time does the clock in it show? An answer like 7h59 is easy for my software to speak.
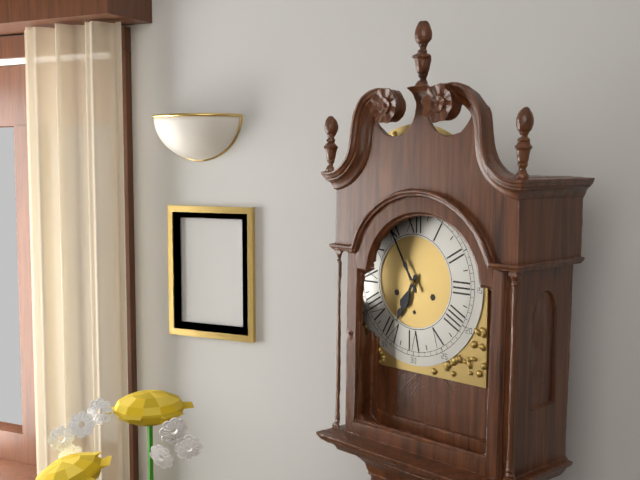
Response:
6h55
